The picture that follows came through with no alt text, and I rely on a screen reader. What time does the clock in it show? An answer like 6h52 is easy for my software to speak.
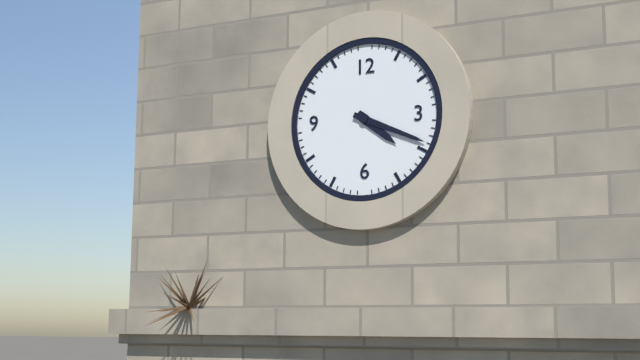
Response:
4h19
